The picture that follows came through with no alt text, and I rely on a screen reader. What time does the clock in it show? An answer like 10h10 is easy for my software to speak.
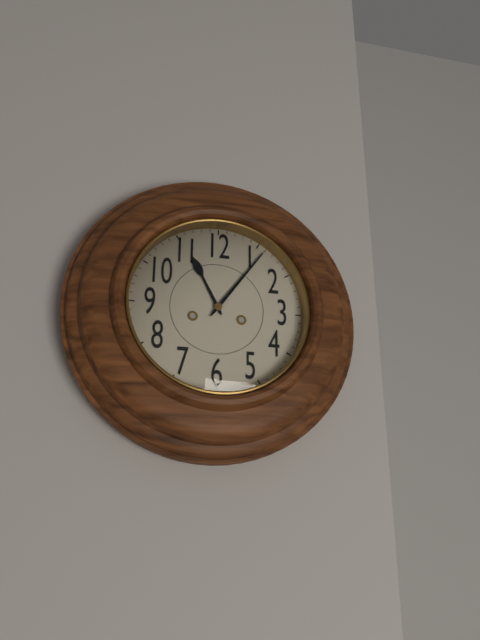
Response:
11h06
